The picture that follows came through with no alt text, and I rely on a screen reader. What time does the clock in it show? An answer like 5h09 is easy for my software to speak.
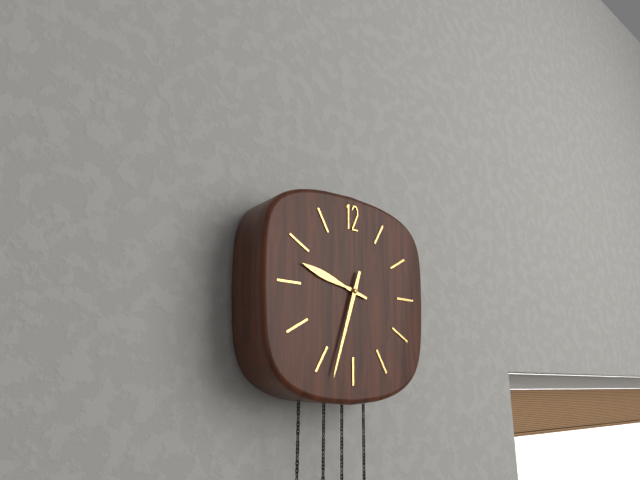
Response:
9h33
